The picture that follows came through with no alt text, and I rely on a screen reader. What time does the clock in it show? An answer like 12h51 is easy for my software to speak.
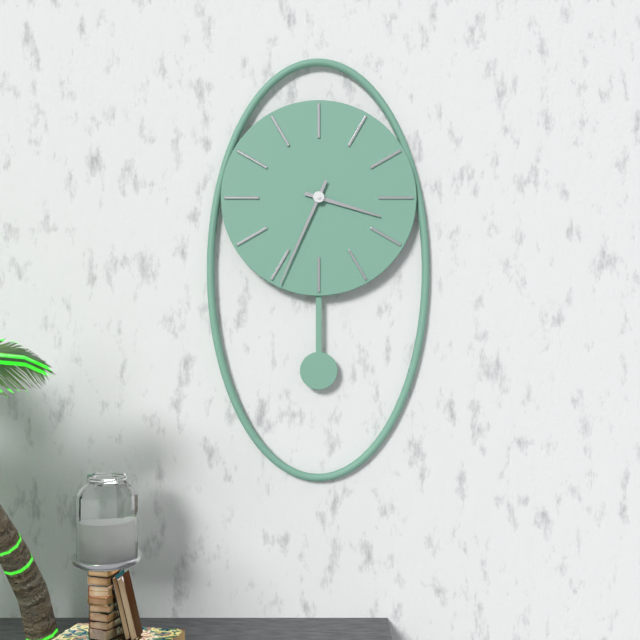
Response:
3h34
